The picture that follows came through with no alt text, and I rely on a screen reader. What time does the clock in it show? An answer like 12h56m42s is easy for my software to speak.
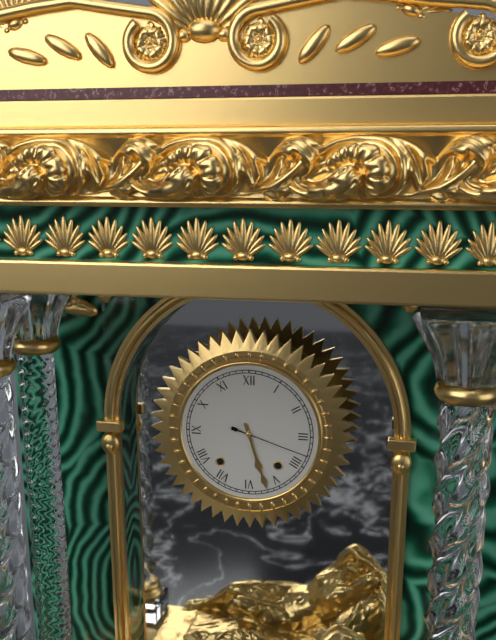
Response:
5h27m18s
